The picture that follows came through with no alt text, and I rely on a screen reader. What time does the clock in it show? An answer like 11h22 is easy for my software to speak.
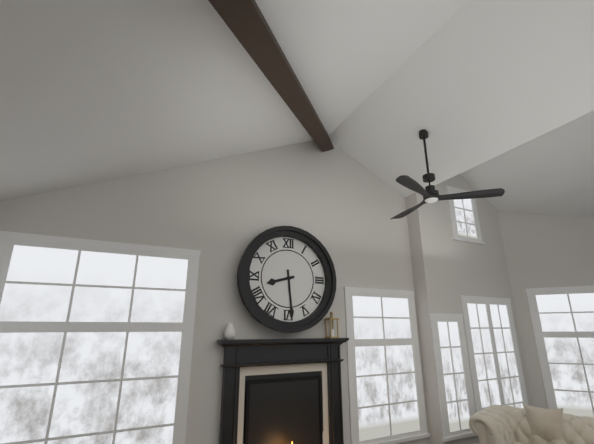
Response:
8h29
